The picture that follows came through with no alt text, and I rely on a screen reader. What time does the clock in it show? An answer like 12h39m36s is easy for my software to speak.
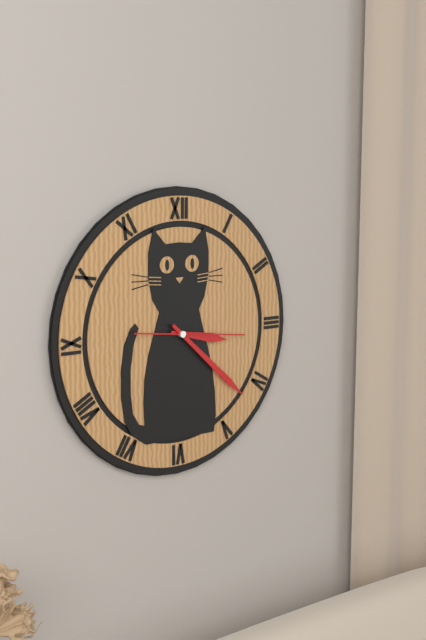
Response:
3h22m16s
